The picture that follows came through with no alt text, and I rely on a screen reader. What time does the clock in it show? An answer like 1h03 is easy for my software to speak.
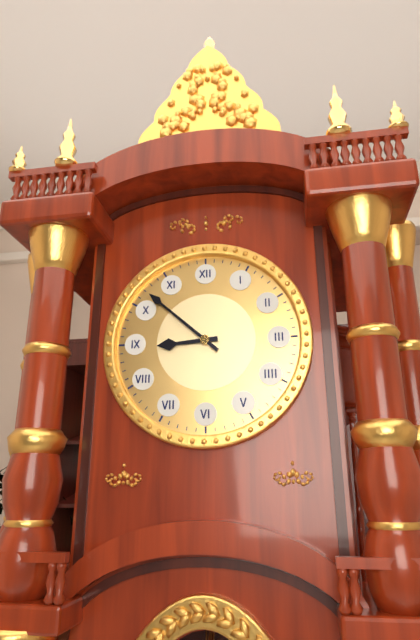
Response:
8h52
